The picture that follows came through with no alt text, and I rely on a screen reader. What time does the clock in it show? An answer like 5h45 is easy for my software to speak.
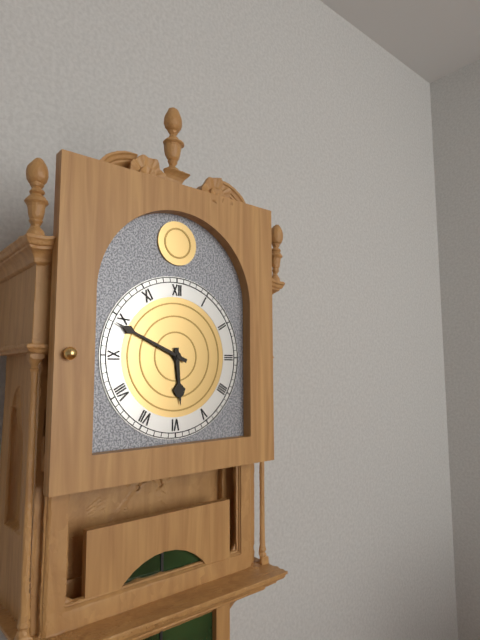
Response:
5h49
